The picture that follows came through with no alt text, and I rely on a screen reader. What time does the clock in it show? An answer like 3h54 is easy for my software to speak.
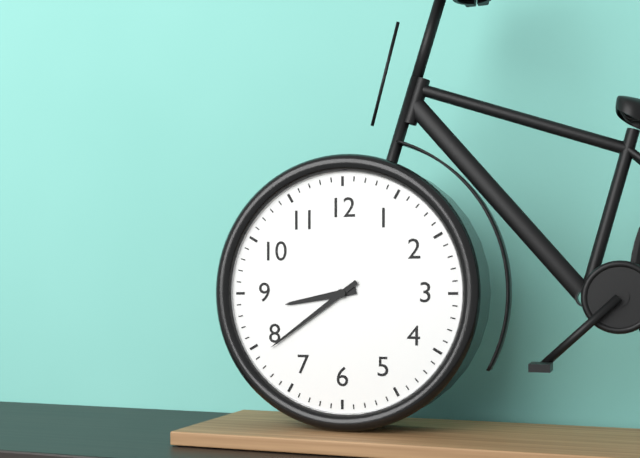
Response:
8h39
